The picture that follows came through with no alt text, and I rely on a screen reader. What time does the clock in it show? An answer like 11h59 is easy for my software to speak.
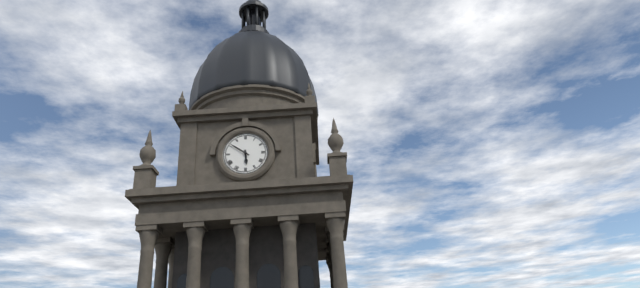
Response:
5h51
